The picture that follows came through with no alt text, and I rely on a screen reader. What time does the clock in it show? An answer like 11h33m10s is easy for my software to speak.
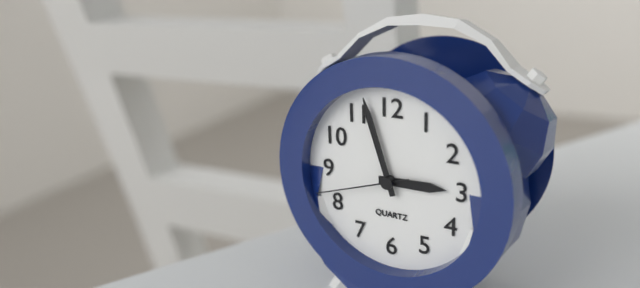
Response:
2h57m42s
